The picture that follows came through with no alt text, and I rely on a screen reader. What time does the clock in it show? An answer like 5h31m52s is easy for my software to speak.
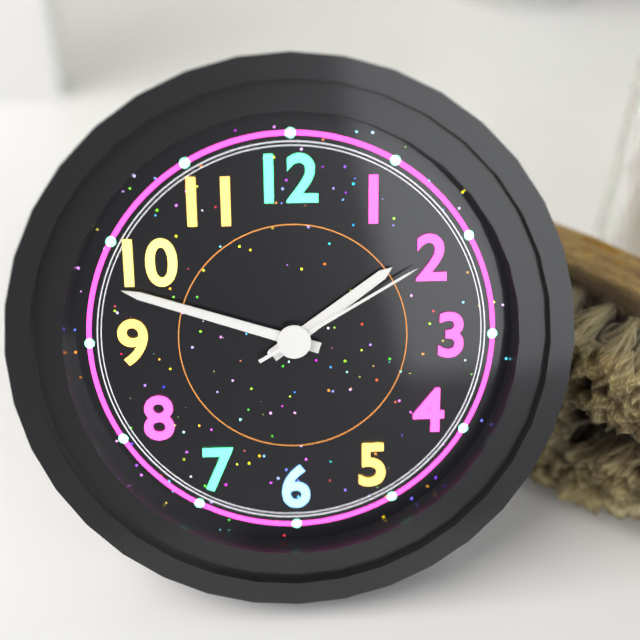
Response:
1h48m10s
